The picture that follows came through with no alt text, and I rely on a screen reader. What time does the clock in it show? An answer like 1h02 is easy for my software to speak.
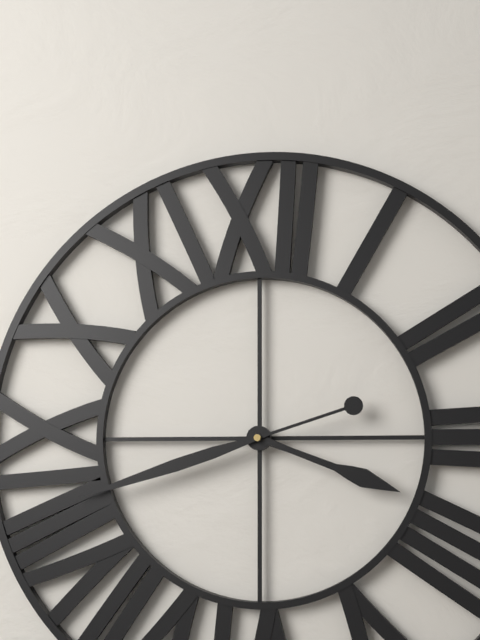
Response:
3h42
